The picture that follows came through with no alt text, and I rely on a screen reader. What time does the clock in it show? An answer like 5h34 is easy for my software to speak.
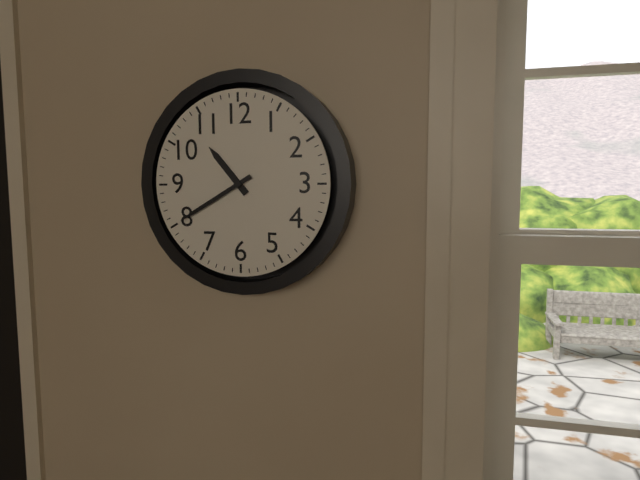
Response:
10h40
